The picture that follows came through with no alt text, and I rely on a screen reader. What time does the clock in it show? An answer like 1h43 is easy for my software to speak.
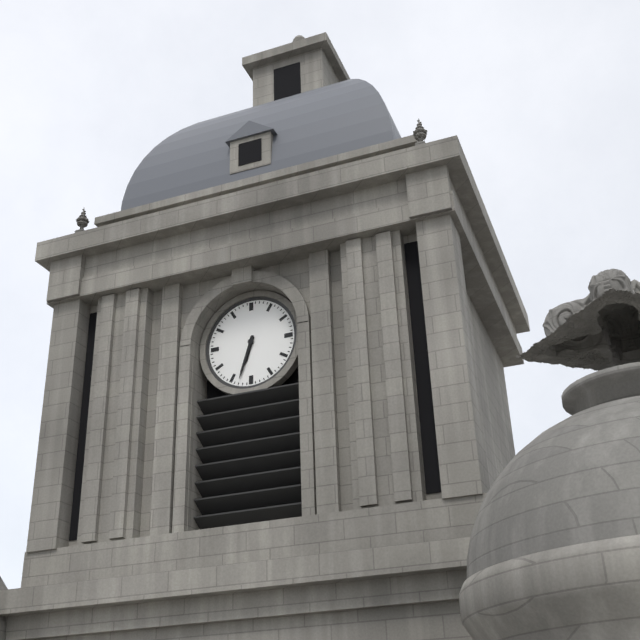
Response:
6h33
